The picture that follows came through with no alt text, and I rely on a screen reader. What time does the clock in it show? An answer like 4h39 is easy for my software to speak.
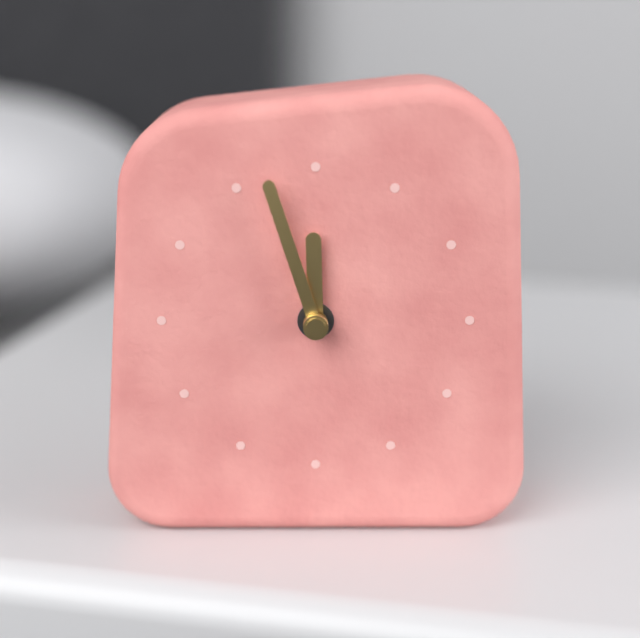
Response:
11h57
